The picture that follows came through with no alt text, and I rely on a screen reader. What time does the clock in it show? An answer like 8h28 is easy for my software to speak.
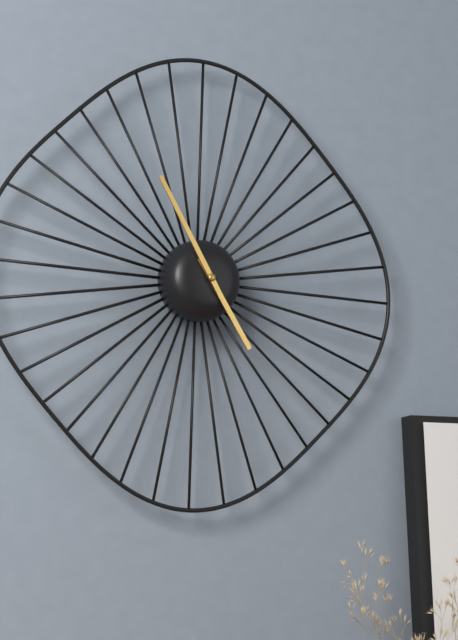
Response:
4h55
